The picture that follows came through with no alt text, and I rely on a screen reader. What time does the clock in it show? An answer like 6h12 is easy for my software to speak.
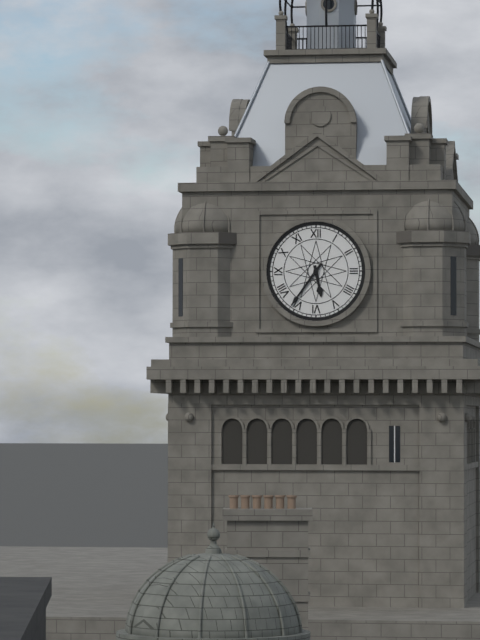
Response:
5h36
